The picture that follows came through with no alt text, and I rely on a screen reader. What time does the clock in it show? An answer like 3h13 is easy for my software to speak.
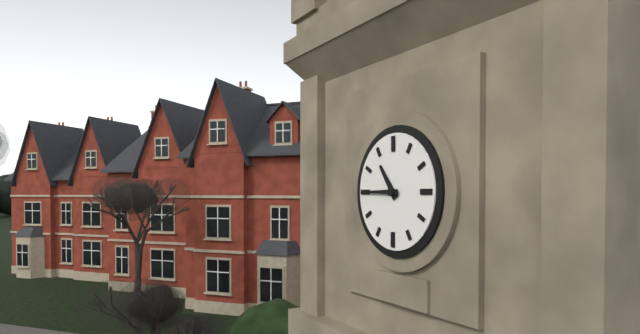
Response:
10h45
